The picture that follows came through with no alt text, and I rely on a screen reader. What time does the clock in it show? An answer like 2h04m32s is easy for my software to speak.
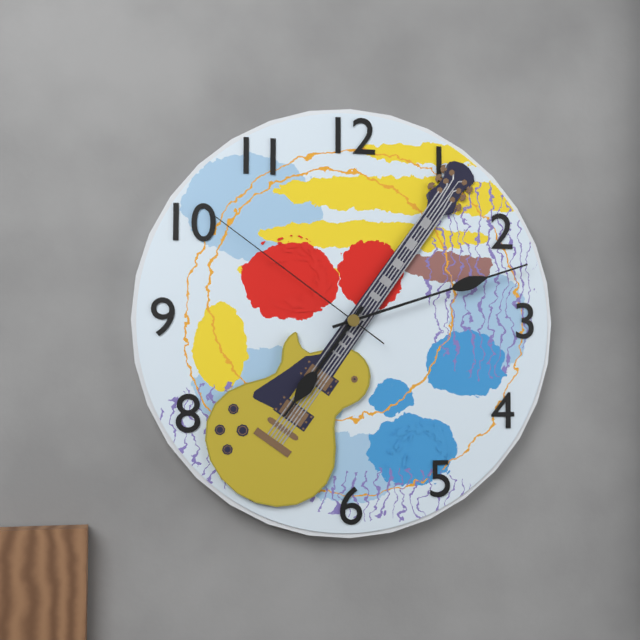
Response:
7h12m51s
